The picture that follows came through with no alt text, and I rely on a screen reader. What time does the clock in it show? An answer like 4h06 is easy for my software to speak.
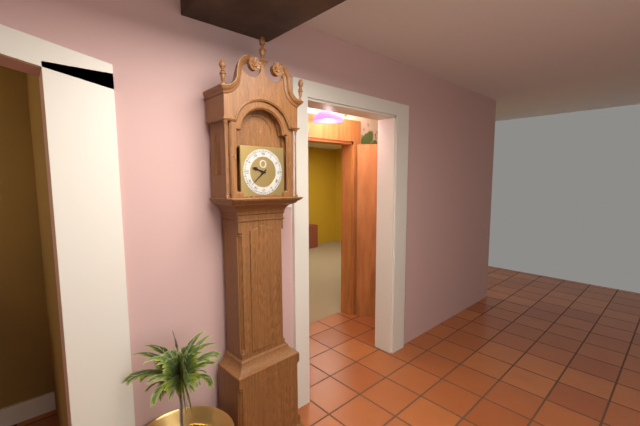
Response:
9h38
